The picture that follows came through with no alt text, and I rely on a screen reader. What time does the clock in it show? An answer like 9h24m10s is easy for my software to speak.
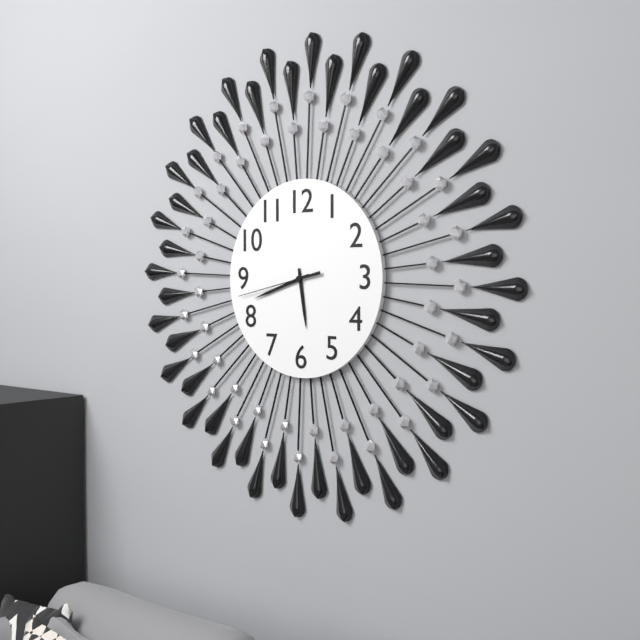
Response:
5h42m43s
